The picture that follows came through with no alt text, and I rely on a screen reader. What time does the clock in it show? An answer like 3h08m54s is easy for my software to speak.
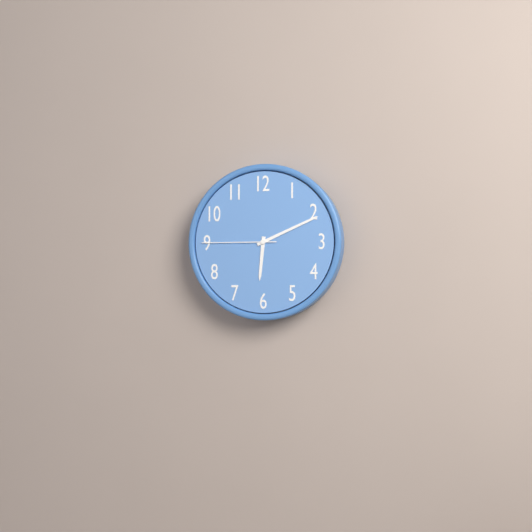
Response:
6h11m45s
